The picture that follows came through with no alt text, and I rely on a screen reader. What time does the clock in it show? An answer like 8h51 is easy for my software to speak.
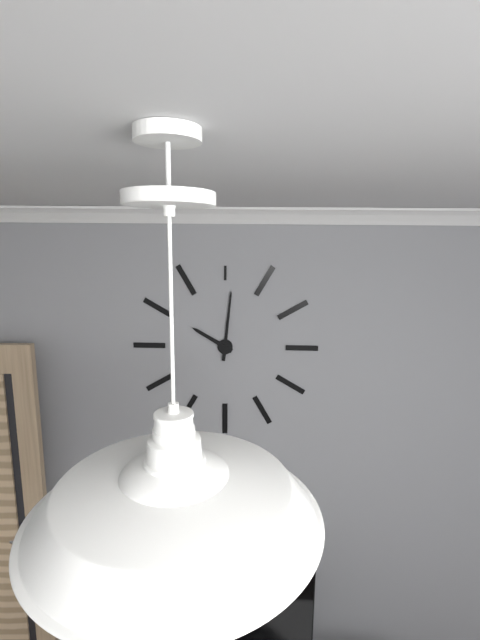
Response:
10h01
